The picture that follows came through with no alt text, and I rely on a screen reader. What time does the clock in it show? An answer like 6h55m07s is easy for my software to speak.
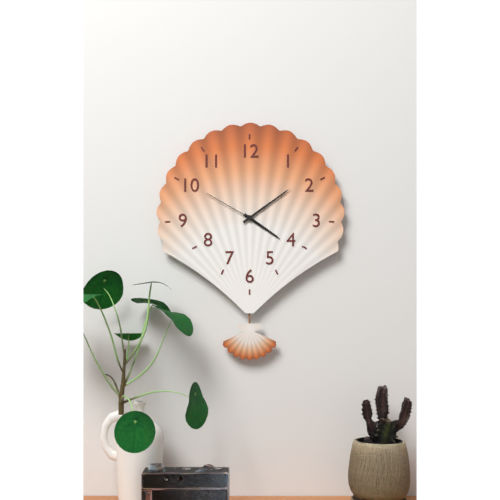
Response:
4h09m50s
